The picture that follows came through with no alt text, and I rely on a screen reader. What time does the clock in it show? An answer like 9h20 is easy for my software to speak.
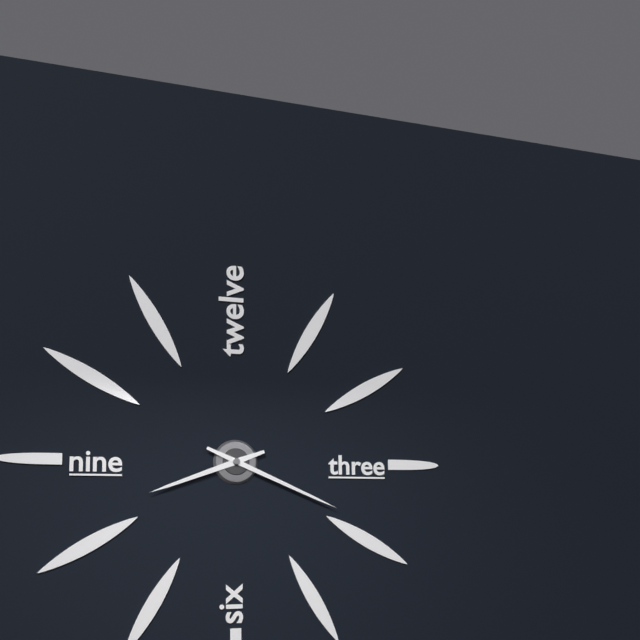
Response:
8h19
